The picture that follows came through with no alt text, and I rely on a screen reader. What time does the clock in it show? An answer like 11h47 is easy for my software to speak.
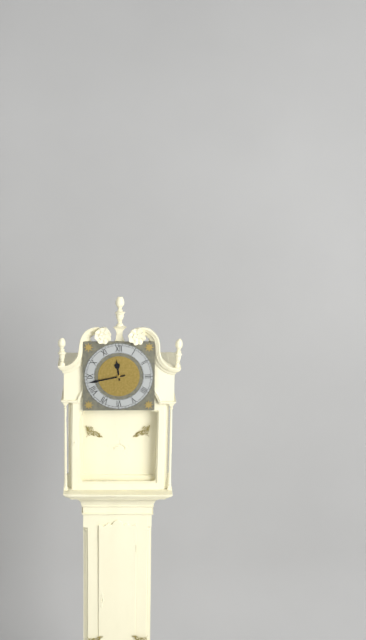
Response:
11h43
